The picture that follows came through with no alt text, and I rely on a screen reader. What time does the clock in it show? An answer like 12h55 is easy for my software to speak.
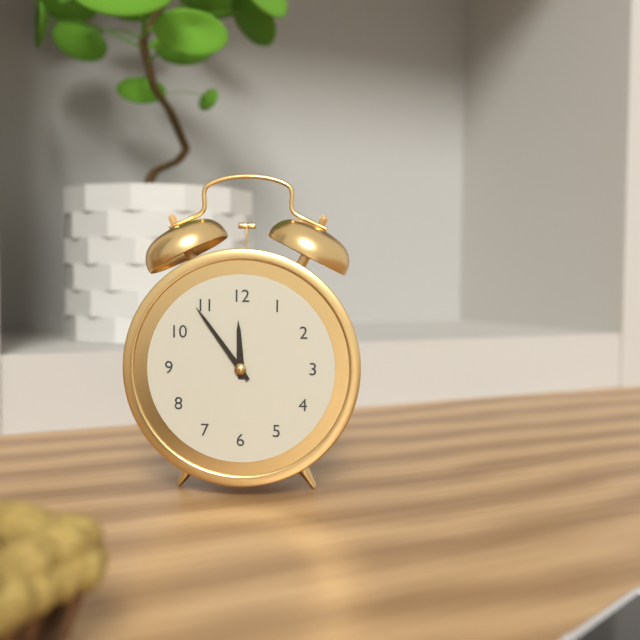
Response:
11h54
